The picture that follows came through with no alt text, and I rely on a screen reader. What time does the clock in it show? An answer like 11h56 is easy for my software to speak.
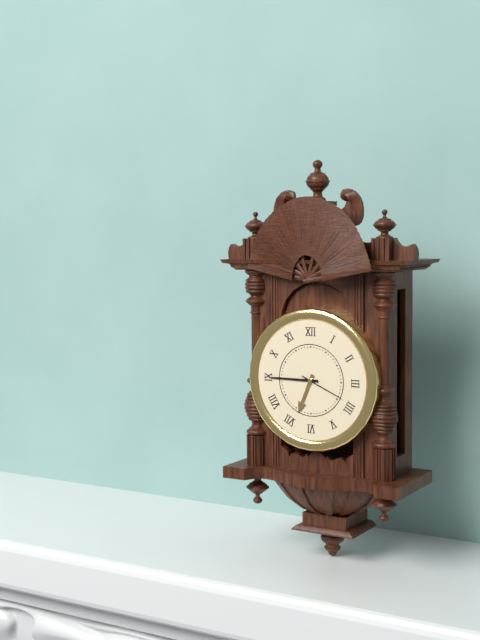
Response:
6h45
